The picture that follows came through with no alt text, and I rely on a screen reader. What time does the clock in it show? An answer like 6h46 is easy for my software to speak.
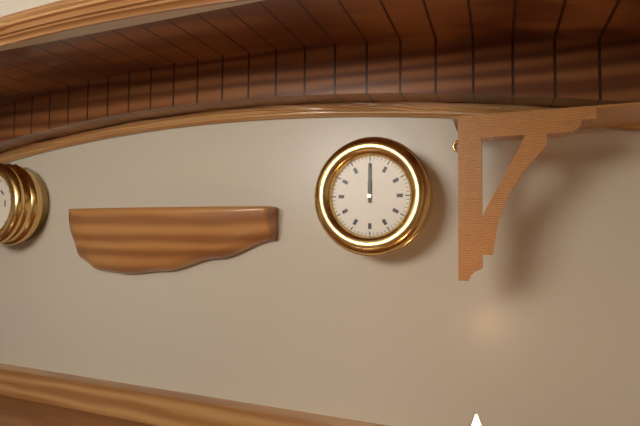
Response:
12h00
